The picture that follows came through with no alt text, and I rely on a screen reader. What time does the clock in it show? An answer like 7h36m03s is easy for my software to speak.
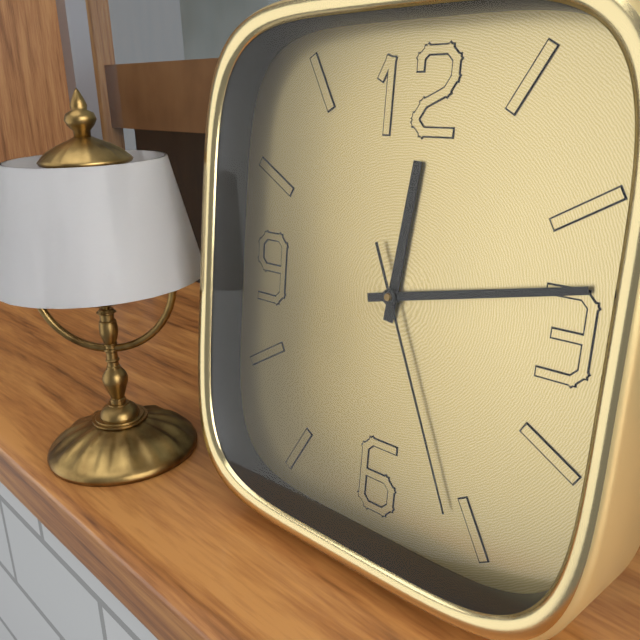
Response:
12h13m26s
